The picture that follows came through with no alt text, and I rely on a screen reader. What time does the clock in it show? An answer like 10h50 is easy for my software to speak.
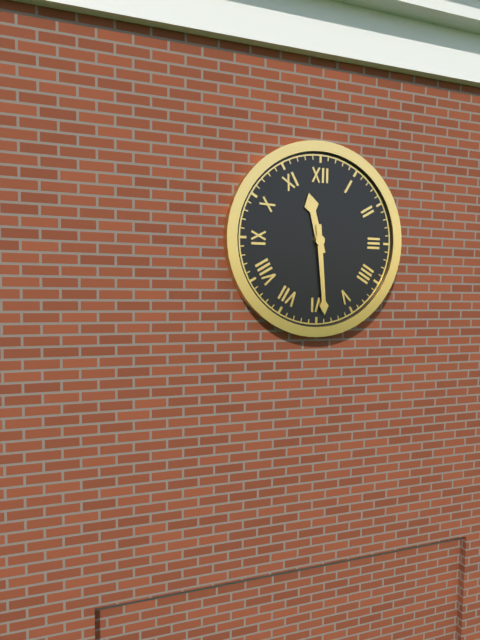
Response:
11h29
